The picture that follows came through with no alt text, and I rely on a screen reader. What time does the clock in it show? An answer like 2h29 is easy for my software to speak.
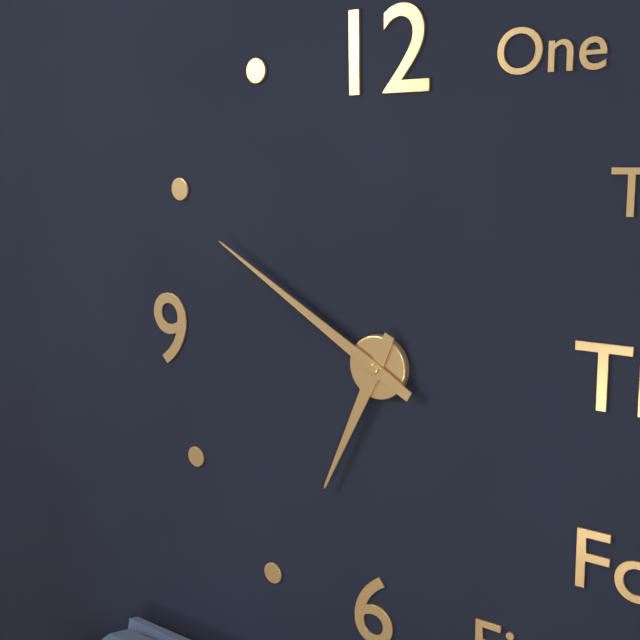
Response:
6h50
